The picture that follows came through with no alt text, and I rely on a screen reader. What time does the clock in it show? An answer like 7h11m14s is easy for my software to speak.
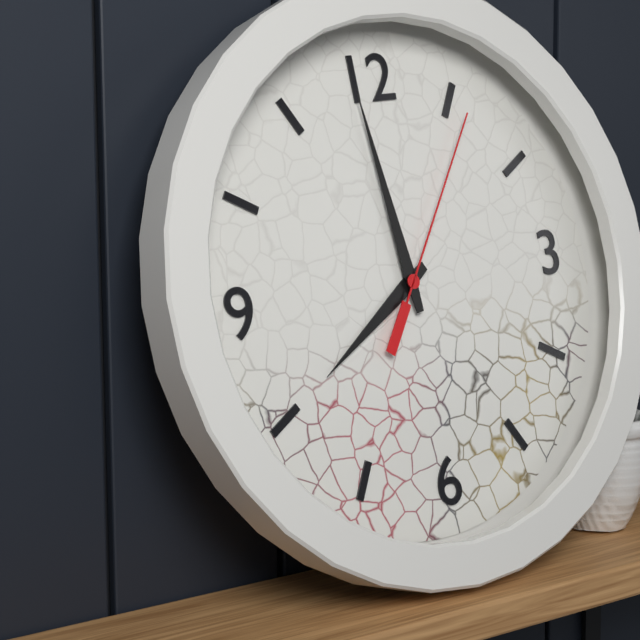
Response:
7h59m06s
